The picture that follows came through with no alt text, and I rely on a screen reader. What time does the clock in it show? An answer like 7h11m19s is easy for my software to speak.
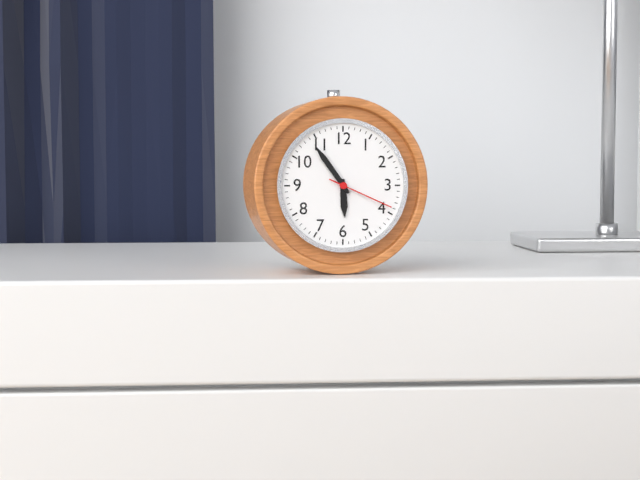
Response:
5h54m19s
